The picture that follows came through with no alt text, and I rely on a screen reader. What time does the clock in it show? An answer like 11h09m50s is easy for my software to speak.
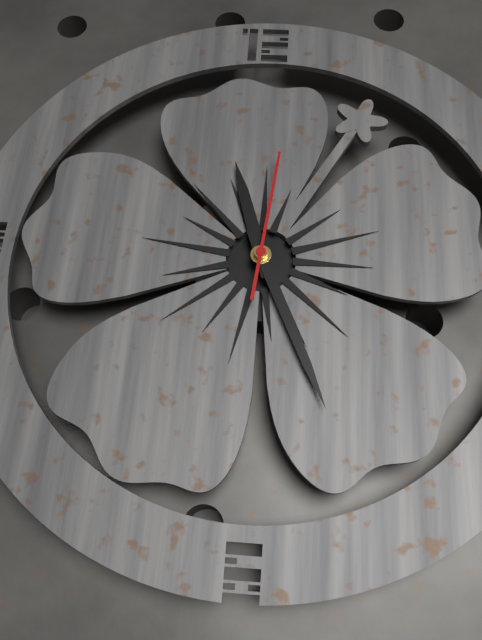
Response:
11h26m01s
